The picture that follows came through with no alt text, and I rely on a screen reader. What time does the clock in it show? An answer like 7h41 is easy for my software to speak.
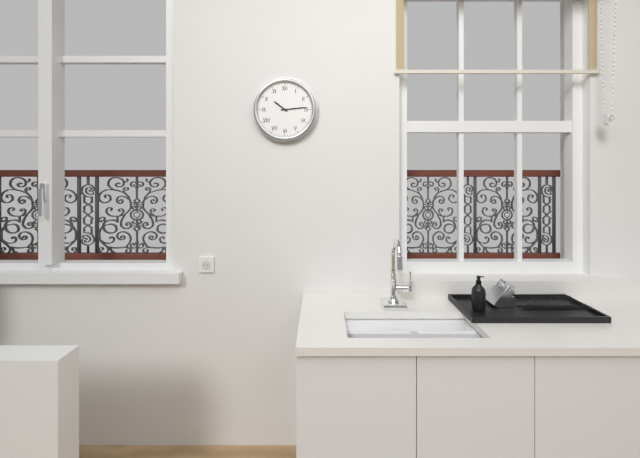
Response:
10h14
